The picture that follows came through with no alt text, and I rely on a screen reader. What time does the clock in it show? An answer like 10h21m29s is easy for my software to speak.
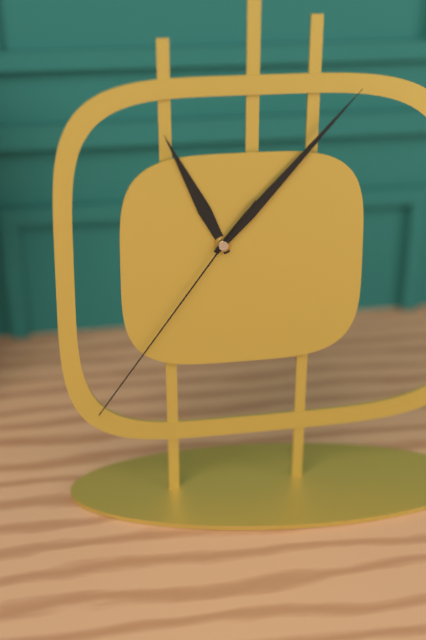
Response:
11h07m36s
